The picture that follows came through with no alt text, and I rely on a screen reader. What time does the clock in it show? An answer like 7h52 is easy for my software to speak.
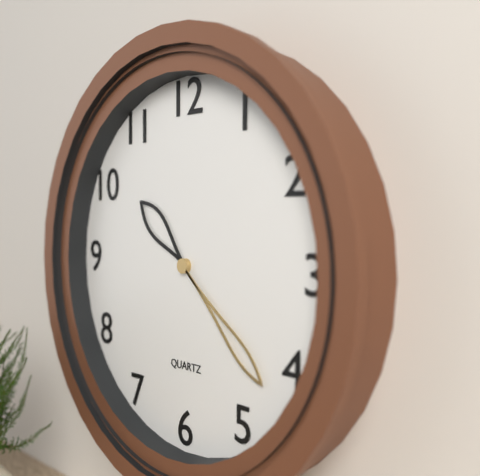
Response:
10h22
